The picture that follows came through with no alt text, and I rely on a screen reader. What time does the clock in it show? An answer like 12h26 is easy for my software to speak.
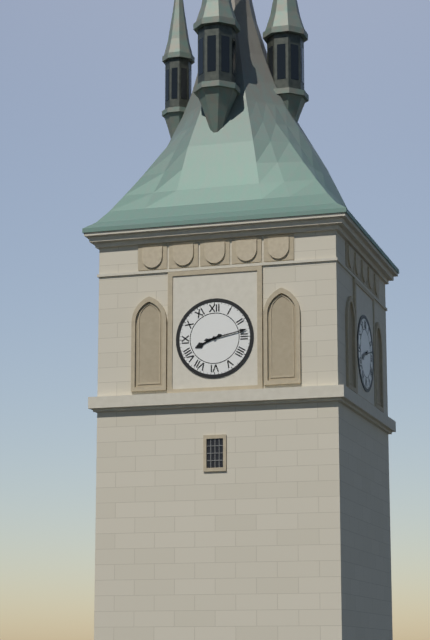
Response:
8h13
